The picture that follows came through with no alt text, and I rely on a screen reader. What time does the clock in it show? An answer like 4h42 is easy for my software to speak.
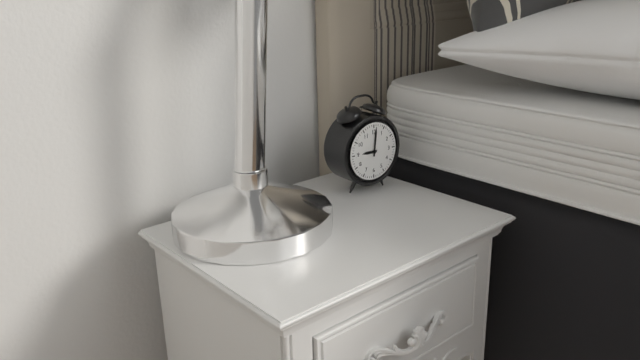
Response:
9h01
